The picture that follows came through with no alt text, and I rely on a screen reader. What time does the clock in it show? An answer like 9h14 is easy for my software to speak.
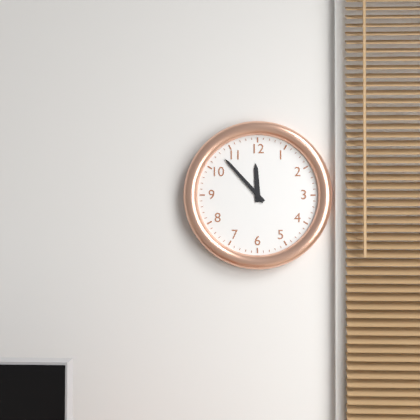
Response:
11h53
